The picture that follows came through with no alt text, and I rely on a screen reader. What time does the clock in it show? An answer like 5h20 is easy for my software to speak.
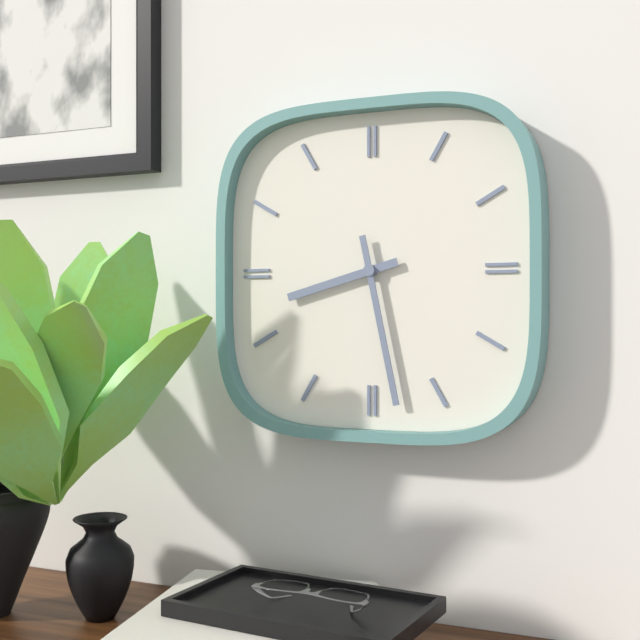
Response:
8h28
